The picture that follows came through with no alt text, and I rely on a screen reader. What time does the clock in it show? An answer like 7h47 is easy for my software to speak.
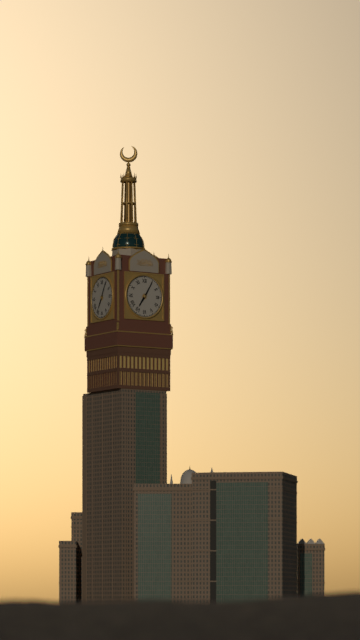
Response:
7h05
